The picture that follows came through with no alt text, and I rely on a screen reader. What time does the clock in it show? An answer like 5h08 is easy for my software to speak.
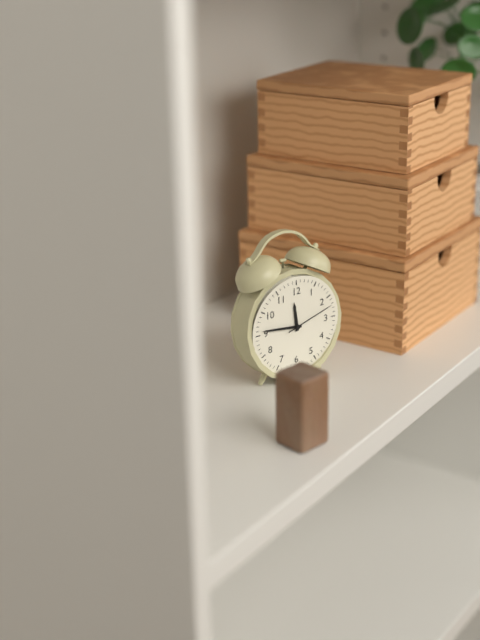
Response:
11h46
